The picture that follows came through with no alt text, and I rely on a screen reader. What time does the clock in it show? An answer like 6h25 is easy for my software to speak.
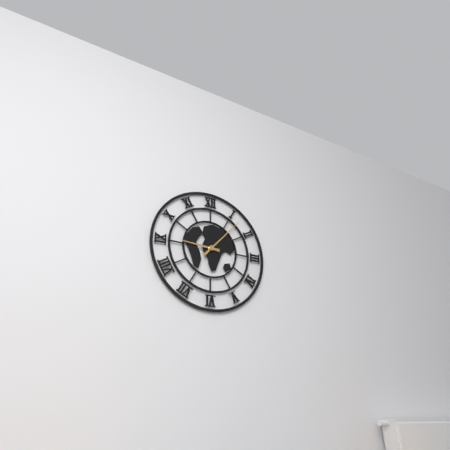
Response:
9h07
